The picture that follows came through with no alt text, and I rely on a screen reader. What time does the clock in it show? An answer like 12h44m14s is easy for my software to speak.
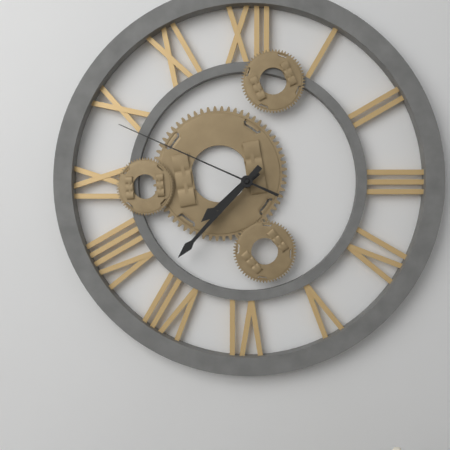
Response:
7h37m49s
